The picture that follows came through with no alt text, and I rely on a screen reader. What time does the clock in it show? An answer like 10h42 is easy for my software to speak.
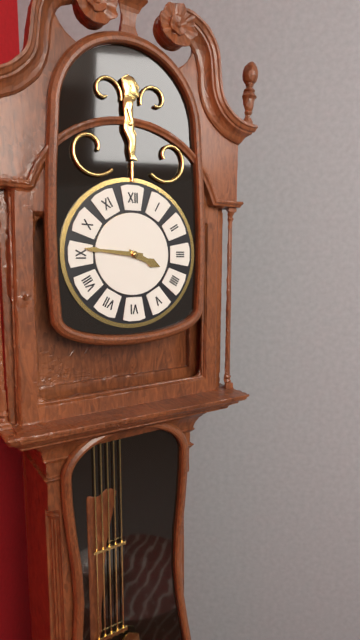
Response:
3h46
